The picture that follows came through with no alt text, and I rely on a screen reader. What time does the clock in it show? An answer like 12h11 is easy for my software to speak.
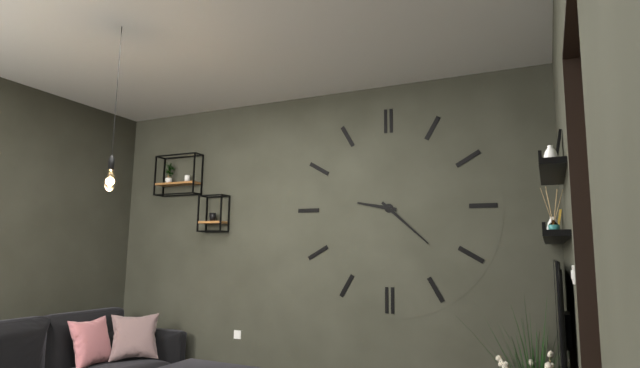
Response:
9h22
